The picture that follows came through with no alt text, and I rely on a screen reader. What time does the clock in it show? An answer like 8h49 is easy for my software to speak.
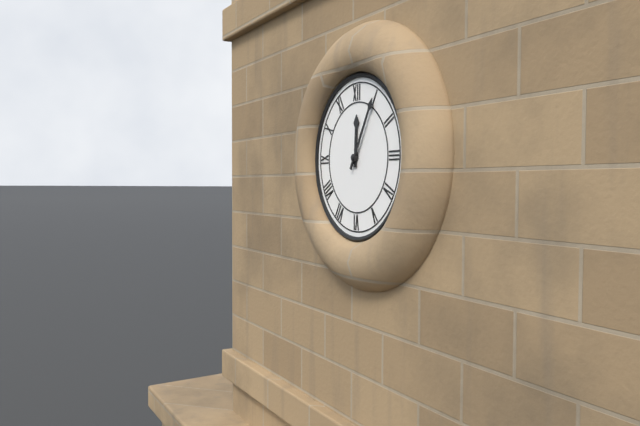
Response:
12h05
